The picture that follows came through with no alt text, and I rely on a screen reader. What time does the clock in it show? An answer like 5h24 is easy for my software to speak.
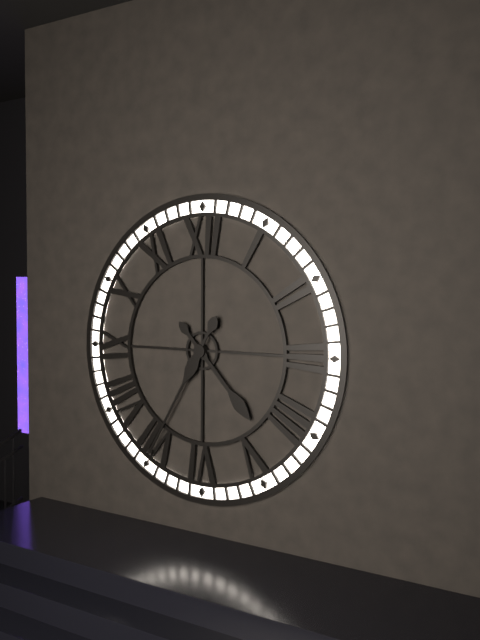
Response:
4h35
